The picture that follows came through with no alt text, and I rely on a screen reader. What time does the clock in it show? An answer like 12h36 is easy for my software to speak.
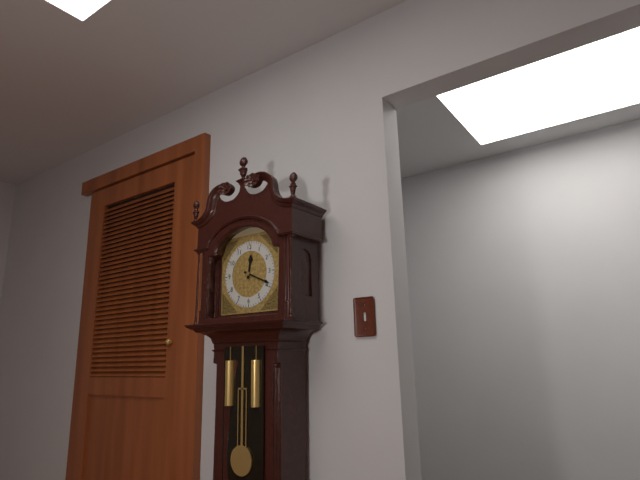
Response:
12h19
